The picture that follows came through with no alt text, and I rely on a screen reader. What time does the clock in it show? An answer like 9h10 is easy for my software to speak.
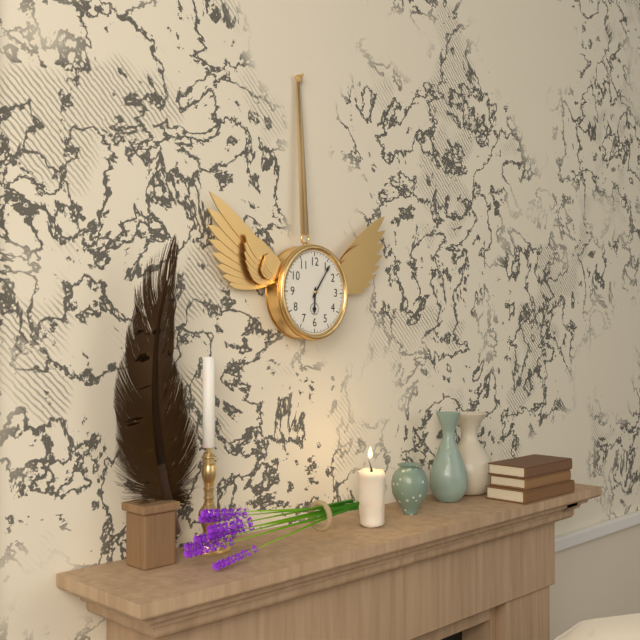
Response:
6h06
